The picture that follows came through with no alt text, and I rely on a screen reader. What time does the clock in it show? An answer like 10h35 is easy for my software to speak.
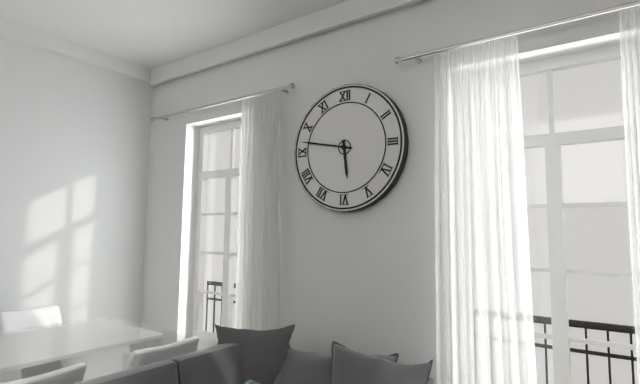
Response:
5h47
